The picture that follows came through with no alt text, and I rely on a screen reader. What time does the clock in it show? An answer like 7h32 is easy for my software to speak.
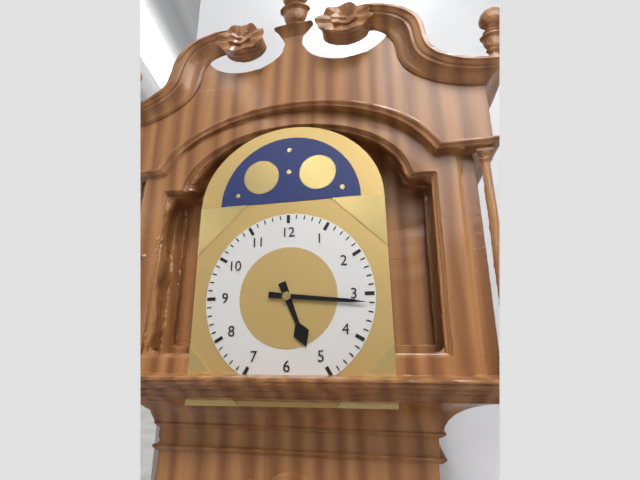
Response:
5h16
